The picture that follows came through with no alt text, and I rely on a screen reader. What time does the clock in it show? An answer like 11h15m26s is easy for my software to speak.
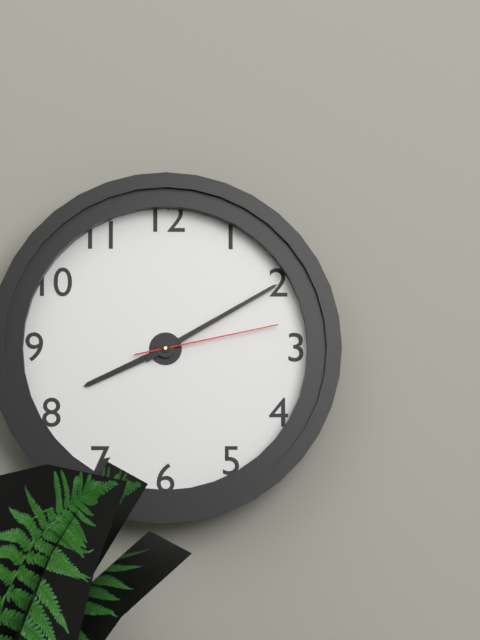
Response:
8h10m13s
